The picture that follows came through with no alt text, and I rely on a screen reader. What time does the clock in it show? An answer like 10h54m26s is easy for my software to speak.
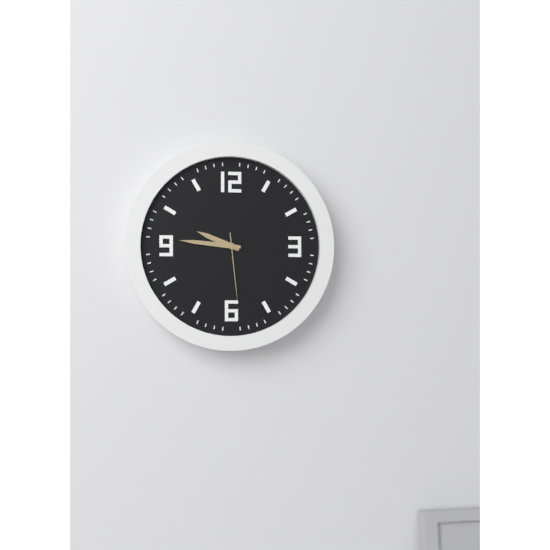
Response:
9h46m29s
